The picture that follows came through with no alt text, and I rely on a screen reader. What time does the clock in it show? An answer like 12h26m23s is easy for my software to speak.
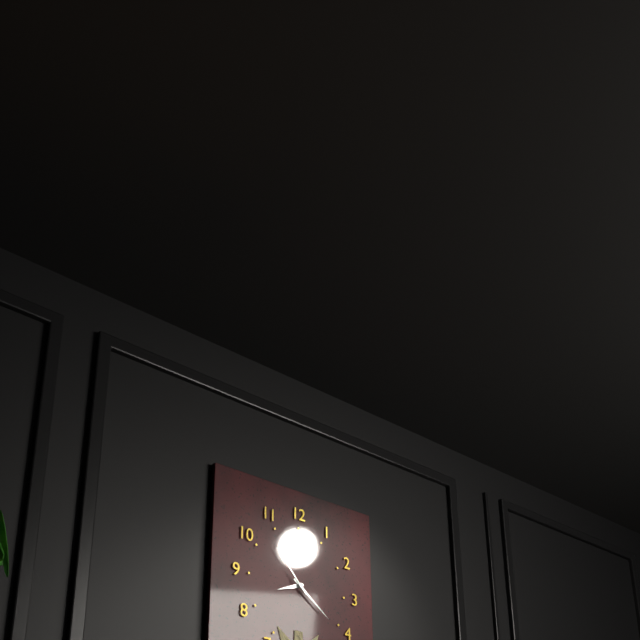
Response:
8h21m53s
